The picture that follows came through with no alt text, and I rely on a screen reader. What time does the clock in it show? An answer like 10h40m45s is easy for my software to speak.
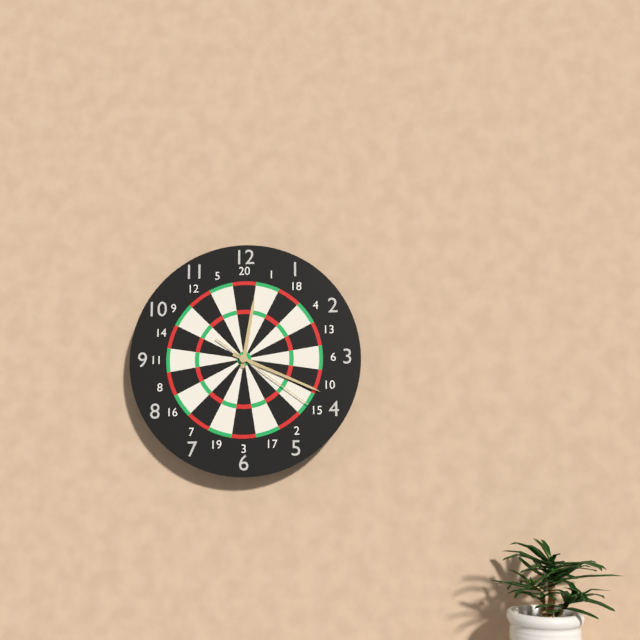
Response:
12h19m21s
